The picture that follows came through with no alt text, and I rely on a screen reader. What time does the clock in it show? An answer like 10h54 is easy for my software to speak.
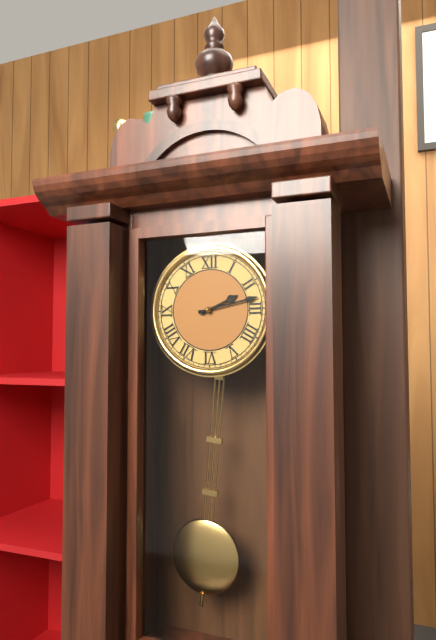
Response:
2h13
